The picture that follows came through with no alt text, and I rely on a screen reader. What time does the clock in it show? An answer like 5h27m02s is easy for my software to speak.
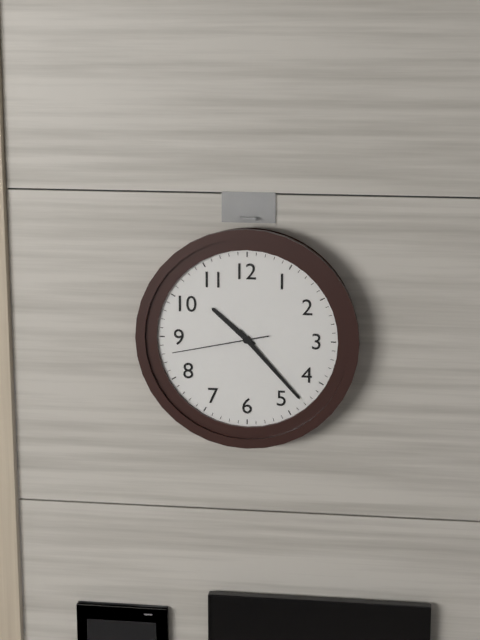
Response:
10h23m43s
